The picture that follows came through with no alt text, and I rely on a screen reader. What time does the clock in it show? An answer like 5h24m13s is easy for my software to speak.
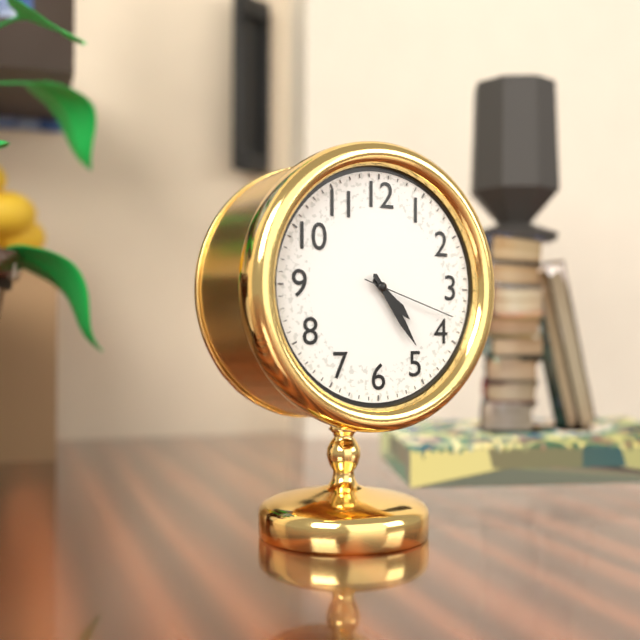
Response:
4h24m18s
